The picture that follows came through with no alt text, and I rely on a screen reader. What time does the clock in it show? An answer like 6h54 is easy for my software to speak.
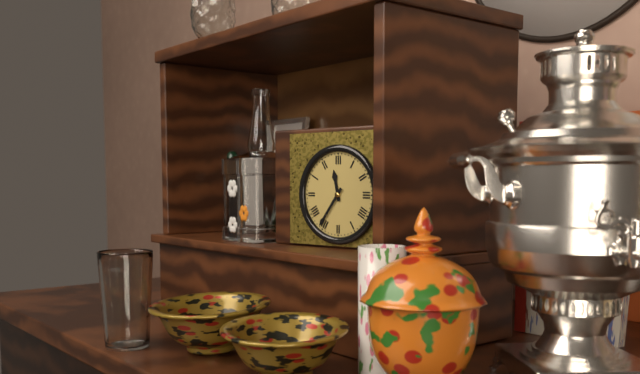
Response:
11h36
